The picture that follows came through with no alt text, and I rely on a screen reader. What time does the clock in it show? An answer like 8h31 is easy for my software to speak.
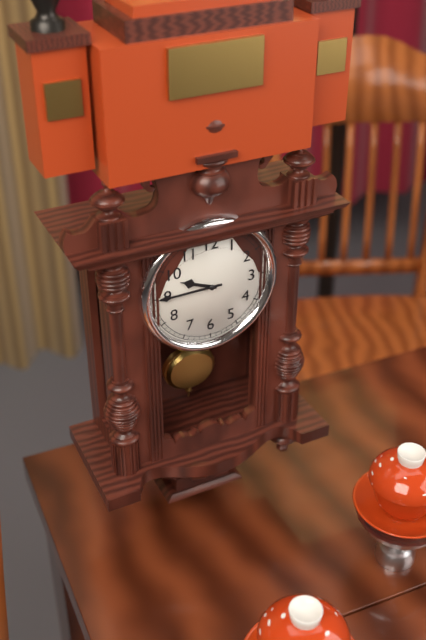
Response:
9h45
